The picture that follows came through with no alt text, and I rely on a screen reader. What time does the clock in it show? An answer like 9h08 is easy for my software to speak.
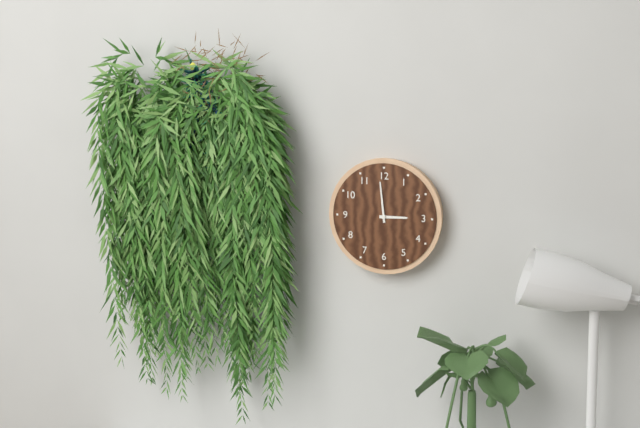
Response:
2h59
